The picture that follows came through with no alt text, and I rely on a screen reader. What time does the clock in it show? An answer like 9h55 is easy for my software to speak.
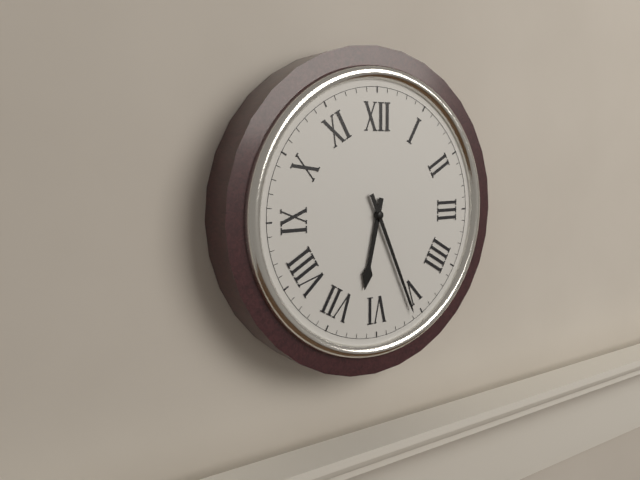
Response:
6h26
